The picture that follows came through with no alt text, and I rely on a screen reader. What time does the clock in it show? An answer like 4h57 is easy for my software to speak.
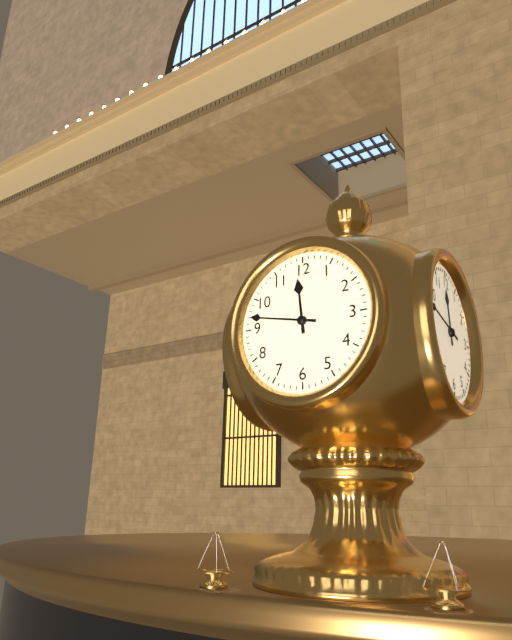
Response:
11h47
